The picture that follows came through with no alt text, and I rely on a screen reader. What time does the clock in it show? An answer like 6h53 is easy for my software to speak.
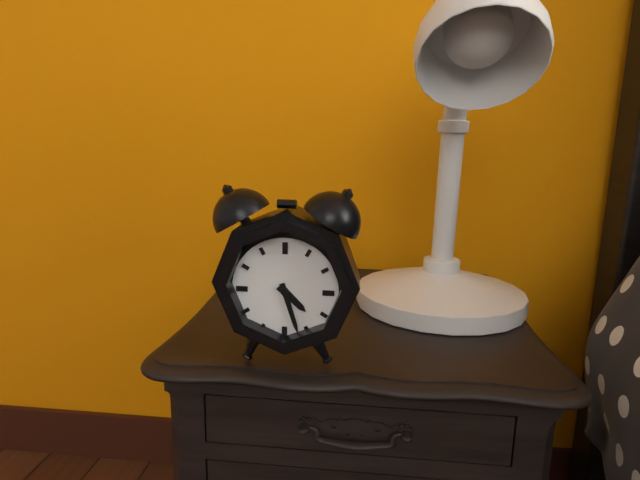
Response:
4h27
